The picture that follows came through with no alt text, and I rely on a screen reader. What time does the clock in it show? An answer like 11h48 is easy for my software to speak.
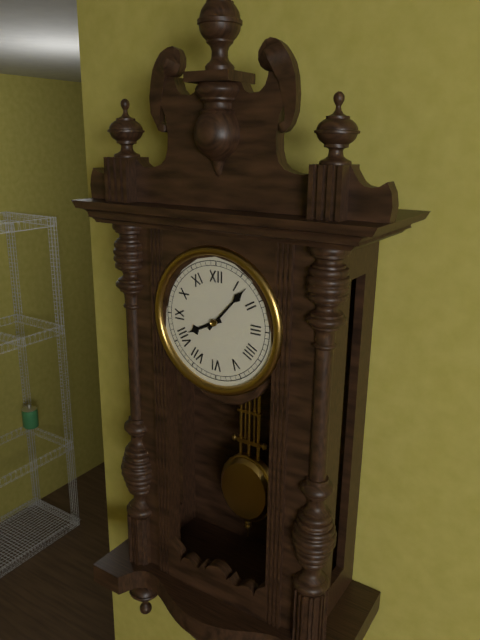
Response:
8h07
